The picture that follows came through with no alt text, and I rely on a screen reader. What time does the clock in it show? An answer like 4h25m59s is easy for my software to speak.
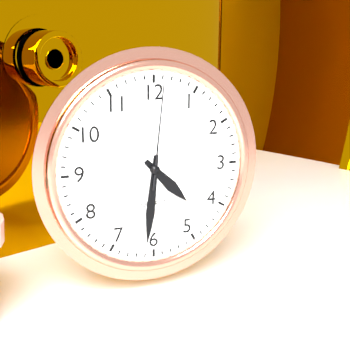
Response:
4h31m01s
